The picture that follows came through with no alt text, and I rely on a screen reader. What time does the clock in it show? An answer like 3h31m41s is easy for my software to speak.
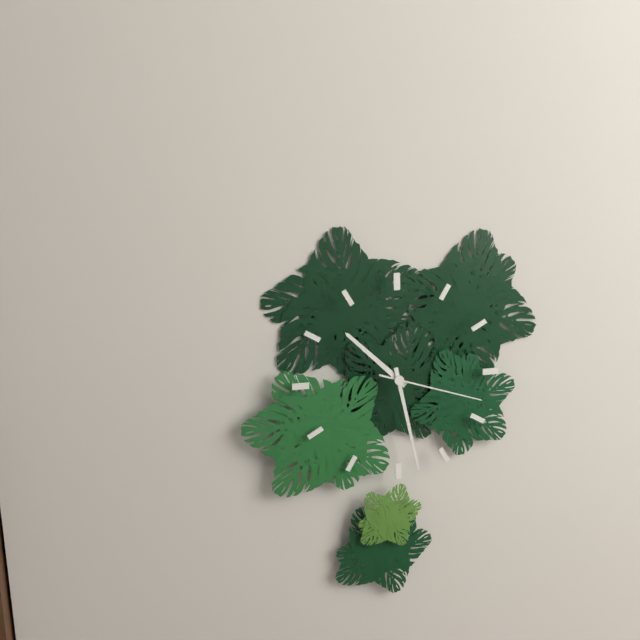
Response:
10h28m18s
